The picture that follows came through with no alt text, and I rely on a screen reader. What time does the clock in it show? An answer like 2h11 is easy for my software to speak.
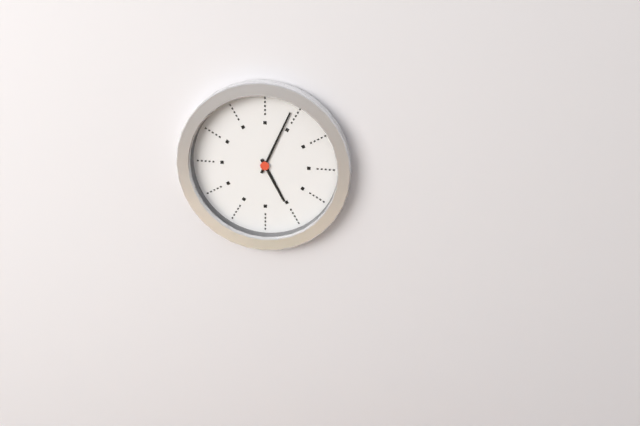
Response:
5h04
